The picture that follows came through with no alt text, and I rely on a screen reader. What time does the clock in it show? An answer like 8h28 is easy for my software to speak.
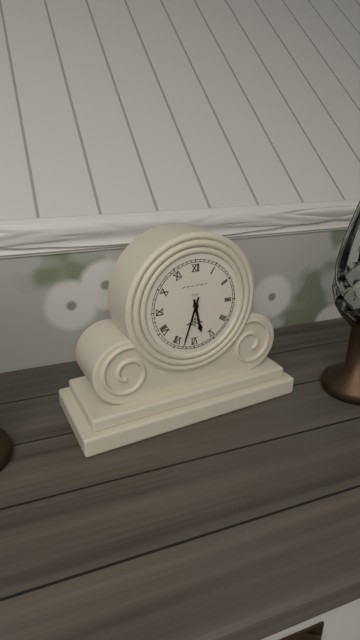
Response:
5h33
